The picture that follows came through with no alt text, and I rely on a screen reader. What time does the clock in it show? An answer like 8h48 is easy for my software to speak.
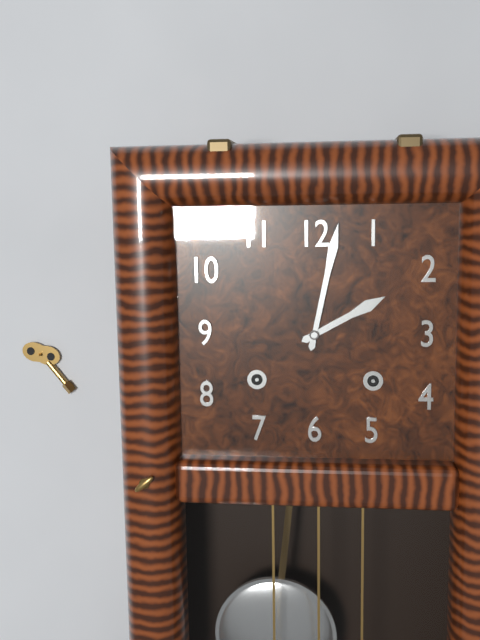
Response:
2h02
